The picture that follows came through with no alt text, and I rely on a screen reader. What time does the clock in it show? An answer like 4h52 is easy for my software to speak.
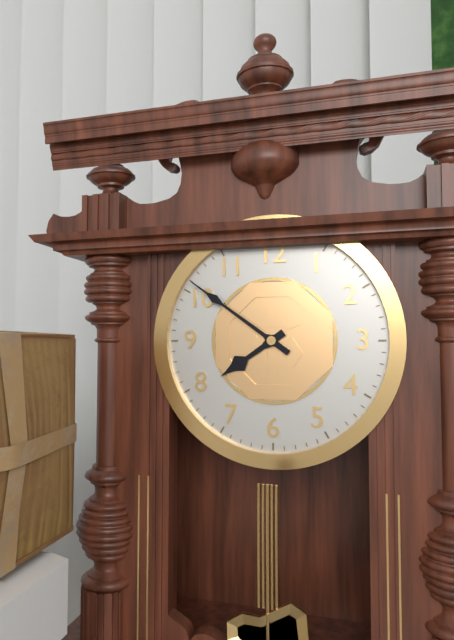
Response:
7h51
